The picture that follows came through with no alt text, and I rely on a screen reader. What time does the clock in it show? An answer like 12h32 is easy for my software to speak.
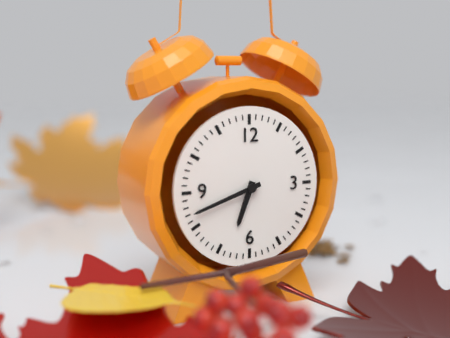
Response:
6h42
